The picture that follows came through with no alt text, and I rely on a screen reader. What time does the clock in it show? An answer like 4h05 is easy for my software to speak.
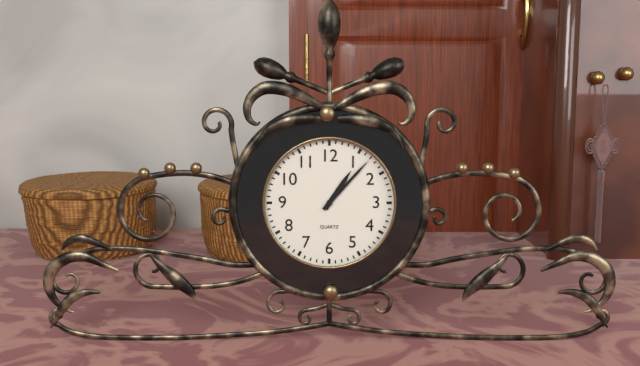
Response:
1h07
